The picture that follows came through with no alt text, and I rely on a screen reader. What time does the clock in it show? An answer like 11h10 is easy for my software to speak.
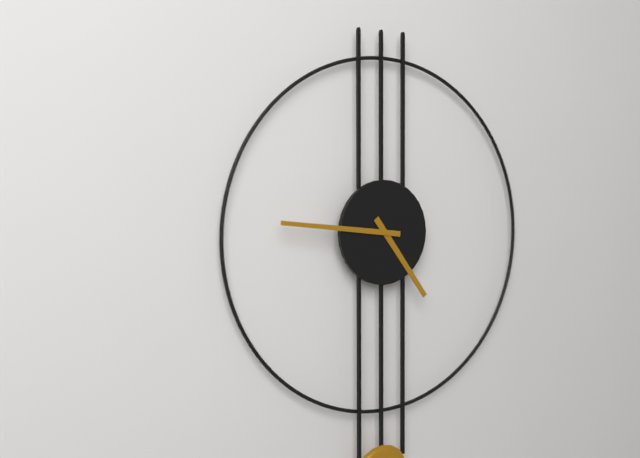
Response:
4h46
